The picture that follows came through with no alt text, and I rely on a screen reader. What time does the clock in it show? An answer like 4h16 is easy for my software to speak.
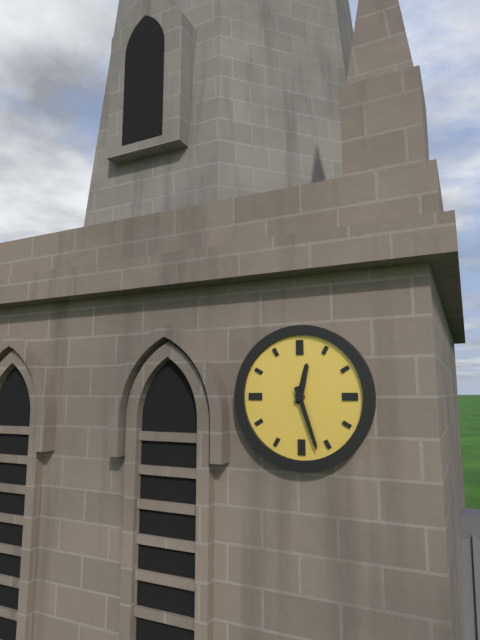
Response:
12h27
